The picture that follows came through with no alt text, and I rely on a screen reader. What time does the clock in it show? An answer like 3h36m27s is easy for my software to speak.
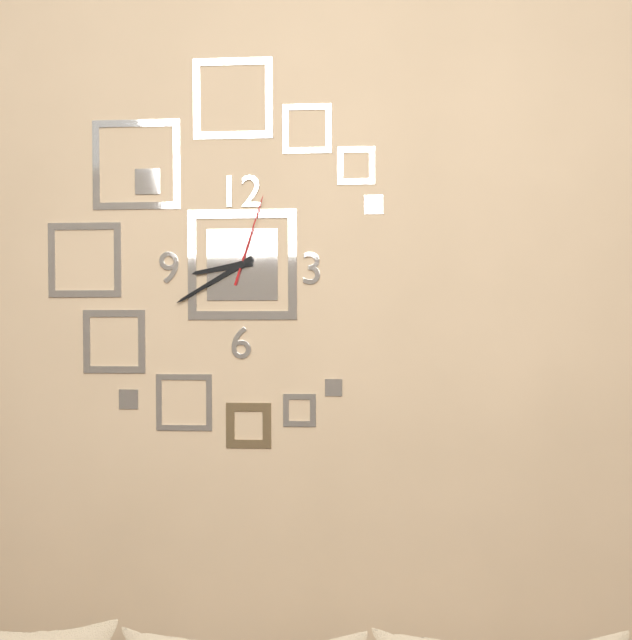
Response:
8h40m03s
